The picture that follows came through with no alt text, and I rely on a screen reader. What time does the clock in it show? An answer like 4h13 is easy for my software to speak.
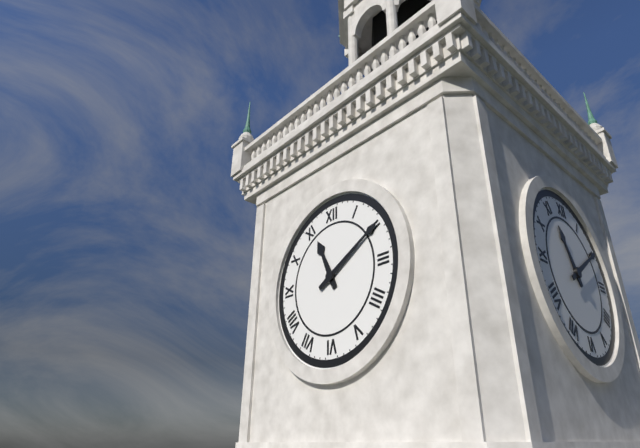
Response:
11h10
